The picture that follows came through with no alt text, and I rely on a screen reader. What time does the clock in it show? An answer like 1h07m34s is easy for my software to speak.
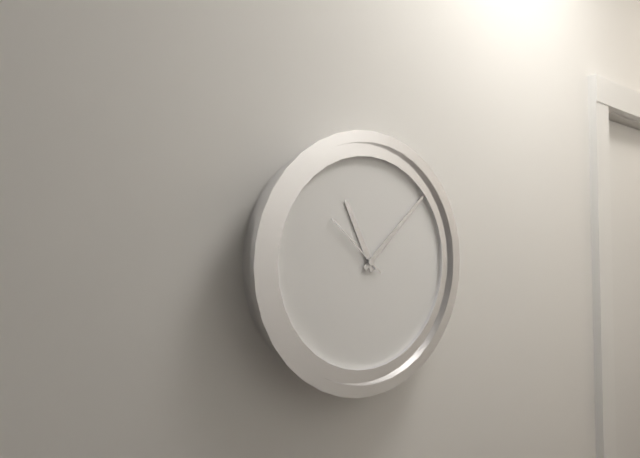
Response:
11h08m52s
